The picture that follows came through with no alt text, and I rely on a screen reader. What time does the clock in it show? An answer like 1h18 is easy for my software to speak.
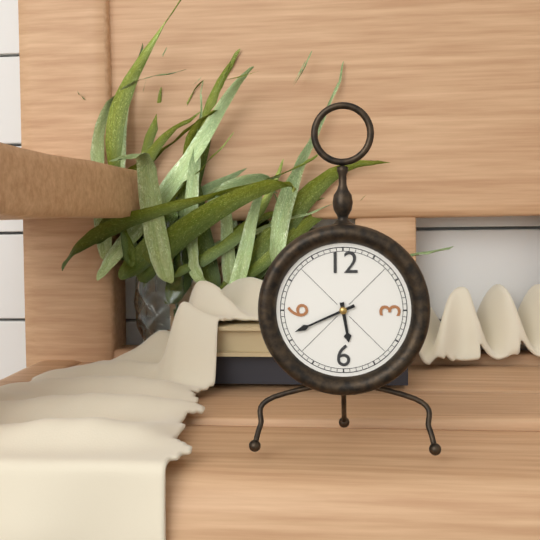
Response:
5h41
